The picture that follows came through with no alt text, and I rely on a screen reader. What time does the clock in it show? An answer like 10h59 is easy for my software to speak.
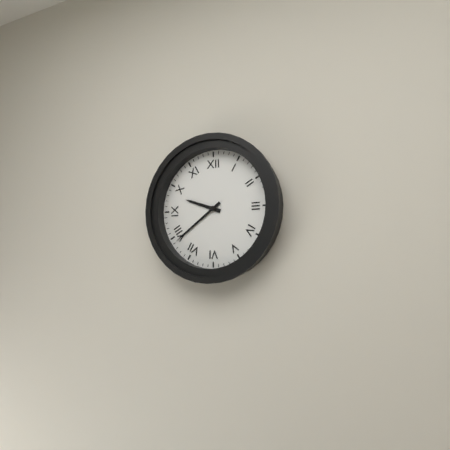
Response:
9h39
